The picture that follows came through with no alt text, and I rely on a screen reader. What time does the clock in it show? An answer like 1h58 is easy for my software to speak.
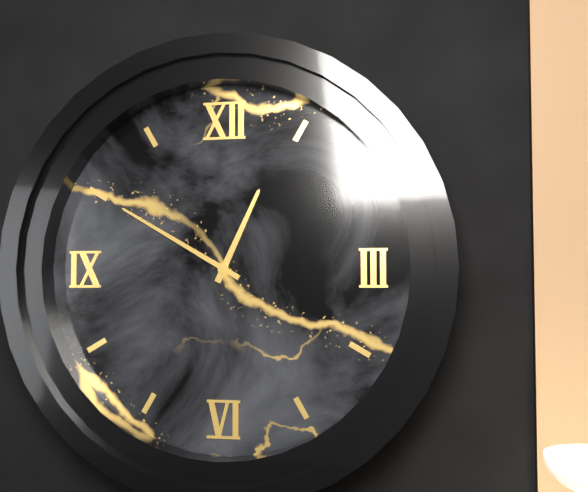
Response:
12h50
